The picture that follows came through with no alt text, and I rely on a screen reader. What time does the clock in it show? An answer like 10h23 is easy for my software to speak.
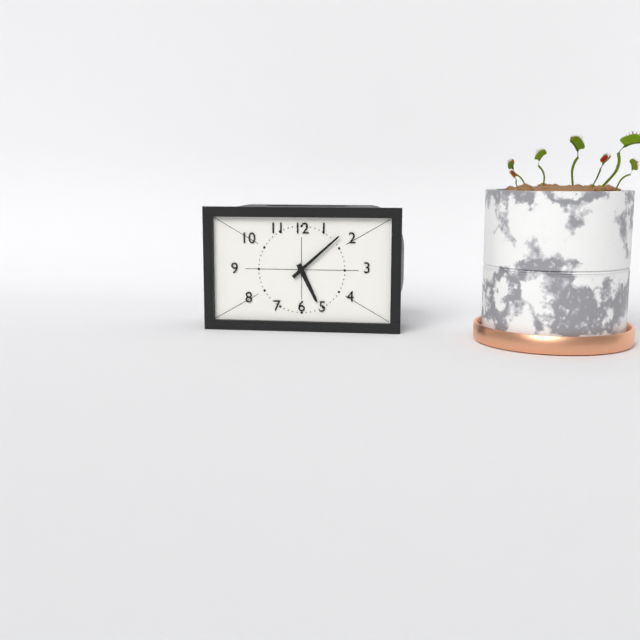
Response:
5h08
